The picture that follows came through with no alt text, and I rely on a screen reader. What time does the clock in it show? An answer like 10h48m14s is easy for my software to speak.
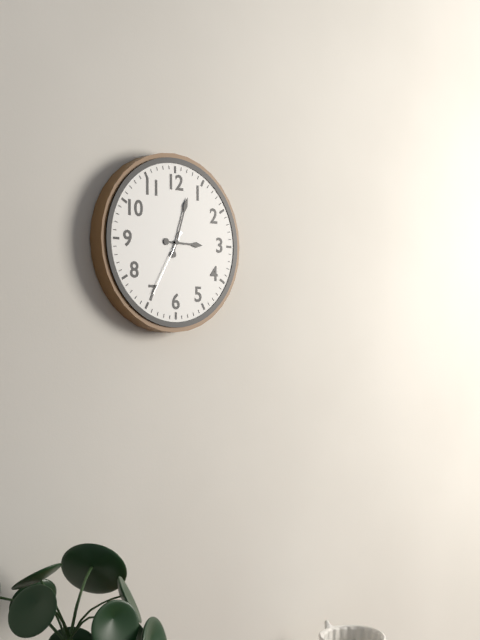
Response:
3h03m35s
